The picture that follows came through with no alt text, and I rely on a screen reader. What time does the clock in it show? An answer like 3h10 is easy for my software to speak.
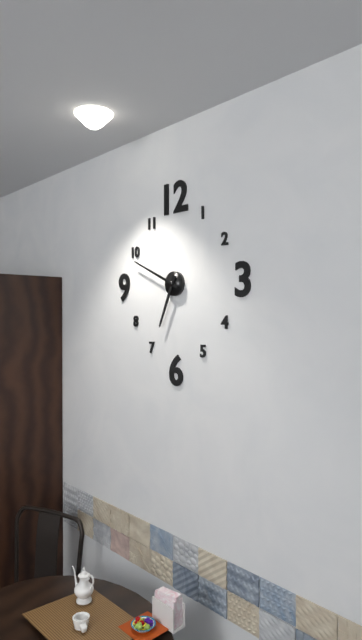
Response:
6h49
